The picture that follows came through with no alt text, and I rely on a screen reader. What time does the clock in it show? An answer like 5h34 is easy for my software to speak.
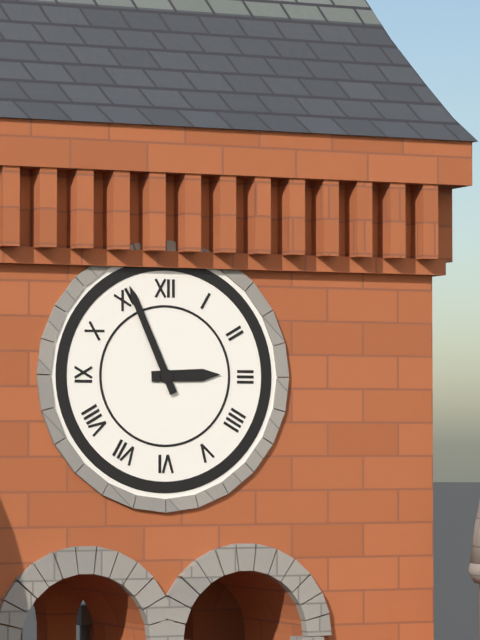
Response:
2h56
